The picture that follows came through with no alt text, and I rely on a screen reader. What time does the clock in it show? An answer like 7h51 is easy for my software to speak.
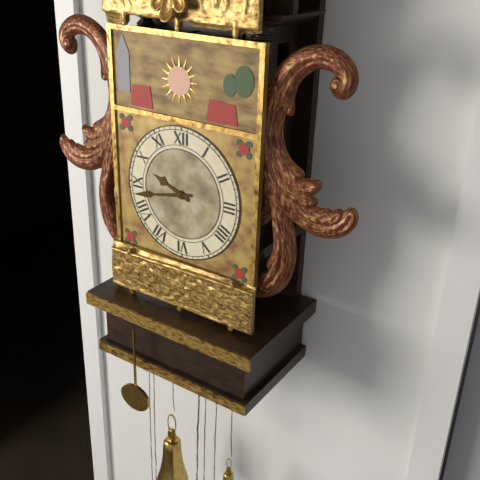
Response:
9h43
